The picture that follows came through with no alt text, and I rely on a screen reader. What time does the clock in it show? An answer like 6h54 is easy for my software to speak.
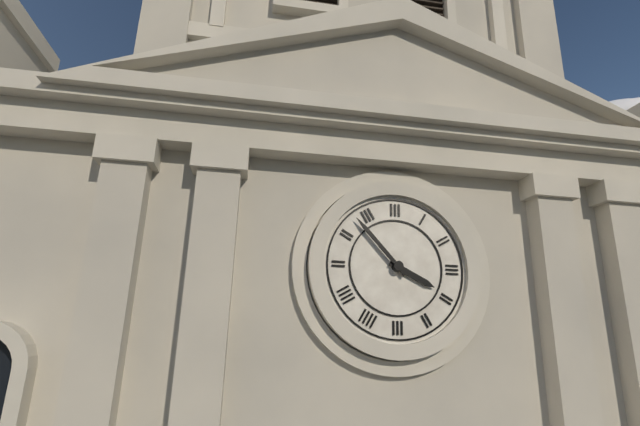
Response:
3h53
